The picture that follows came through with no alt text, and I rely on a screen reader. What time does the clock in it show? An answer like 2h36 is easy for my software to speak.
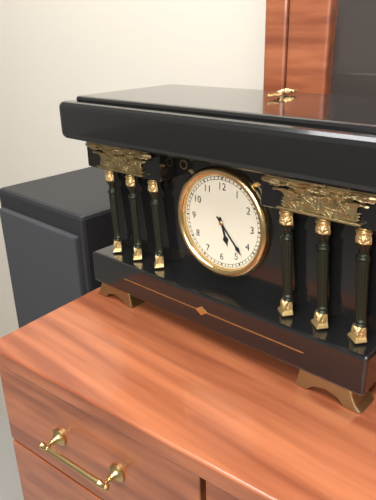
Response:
5h23
